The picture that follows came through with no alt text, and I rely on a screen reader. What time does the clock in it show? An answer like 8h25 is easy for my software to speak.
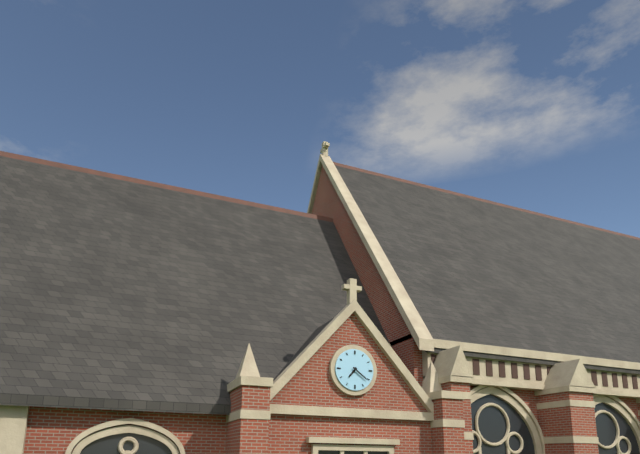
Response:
7h21
